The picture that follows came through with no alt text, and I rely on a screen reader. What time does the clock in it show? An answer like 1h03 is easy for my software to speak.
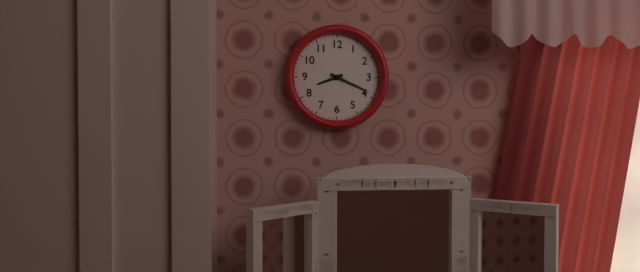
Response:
8h19
